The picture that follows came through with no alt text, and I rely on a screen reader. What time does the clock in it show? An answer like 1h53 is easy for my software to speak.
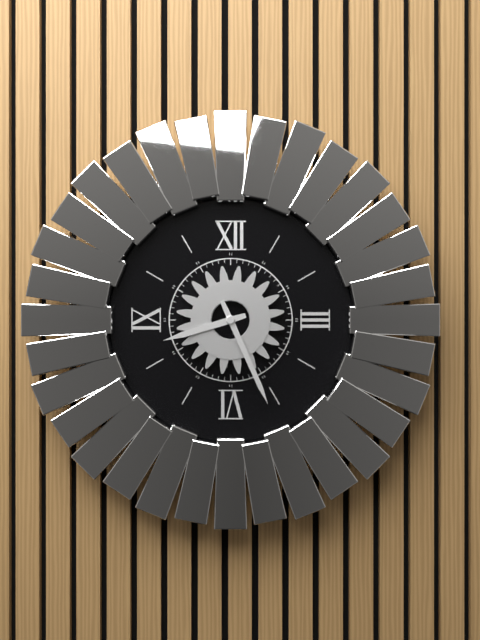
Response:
8h26
